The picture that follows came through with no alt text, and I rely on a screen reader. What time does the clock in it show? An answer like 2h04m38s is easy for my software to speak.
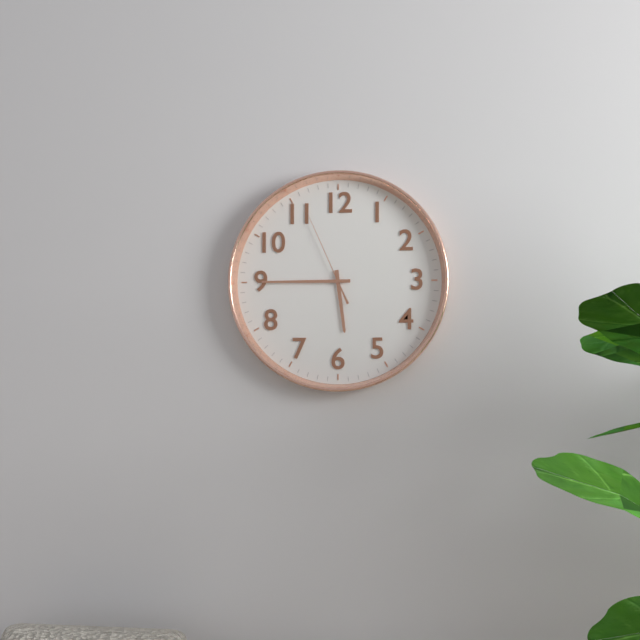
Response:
5h45m56s
